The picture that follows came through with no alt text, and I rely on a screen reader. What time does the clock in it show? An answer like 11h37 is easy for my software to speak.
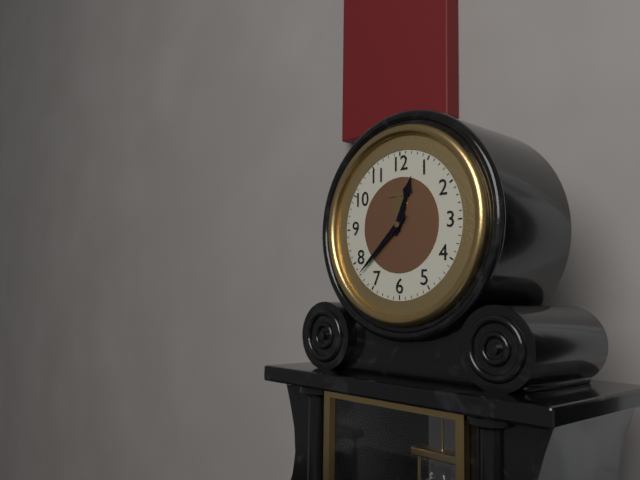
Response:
12h38
